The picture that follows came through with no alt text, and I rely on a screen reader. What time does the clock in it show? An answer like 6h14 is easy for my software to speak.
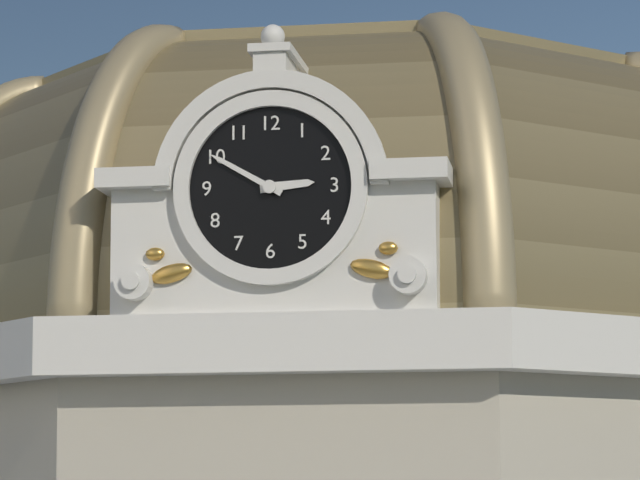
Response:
2h50
